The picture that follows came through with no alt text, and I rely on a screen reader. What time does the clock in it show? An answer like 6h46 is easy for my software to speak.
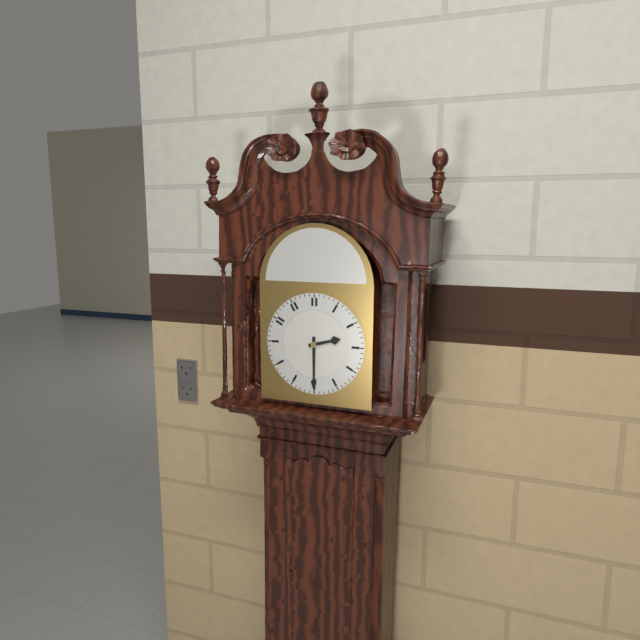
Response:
2h30
